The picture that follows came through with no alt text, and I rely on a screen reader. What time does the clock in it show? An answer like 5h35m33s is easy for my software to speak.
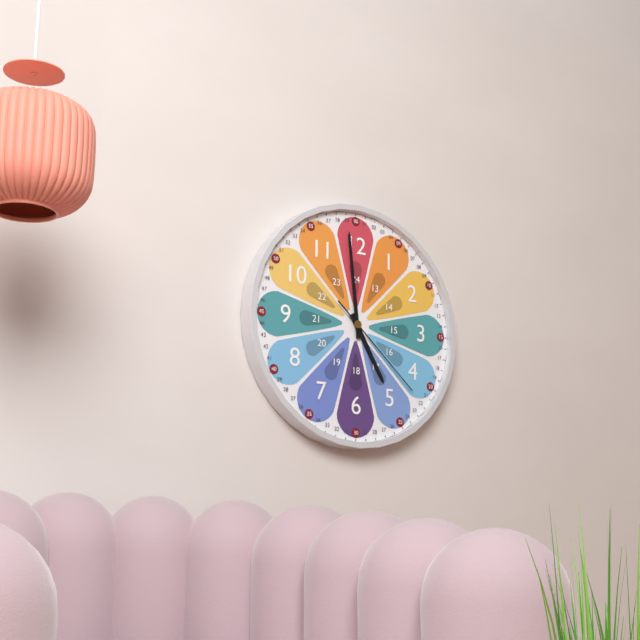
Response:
4h59m22s
